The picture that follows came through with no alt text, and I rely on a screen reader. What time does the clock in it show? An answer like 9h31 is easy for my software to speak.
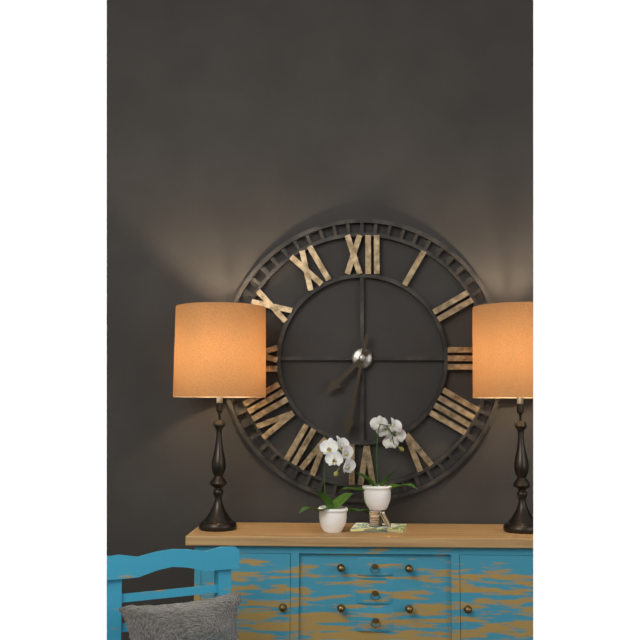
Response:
7h32
